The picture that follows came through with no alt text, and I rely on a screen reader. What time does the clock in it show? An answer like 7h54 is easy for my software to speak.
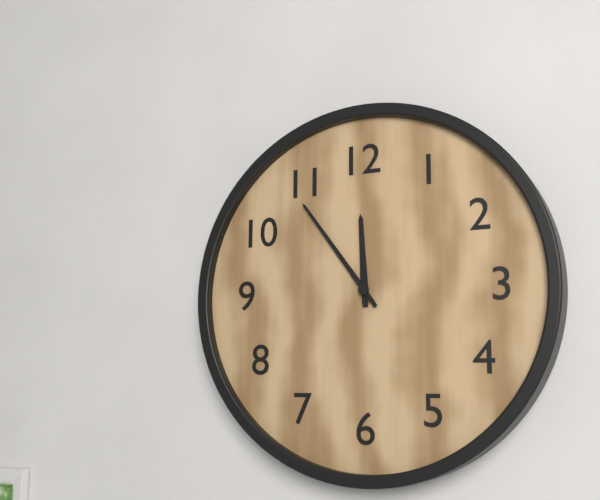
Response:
11h54
